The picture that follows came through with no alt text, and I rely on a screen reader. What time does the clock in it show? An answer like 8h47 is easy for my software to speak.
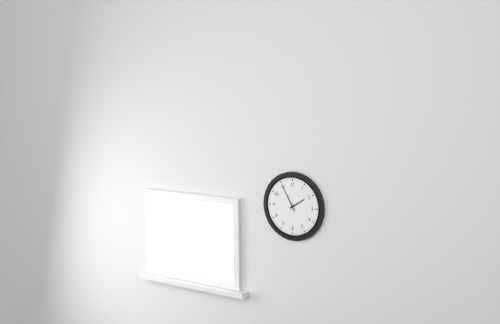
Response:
1h55
